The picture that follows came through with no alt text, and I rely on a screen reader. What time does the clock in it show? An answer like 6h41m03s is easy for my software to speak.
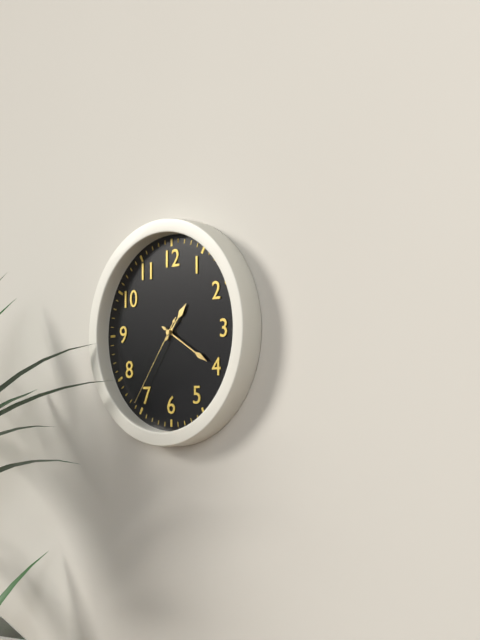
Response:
1h20m36s
